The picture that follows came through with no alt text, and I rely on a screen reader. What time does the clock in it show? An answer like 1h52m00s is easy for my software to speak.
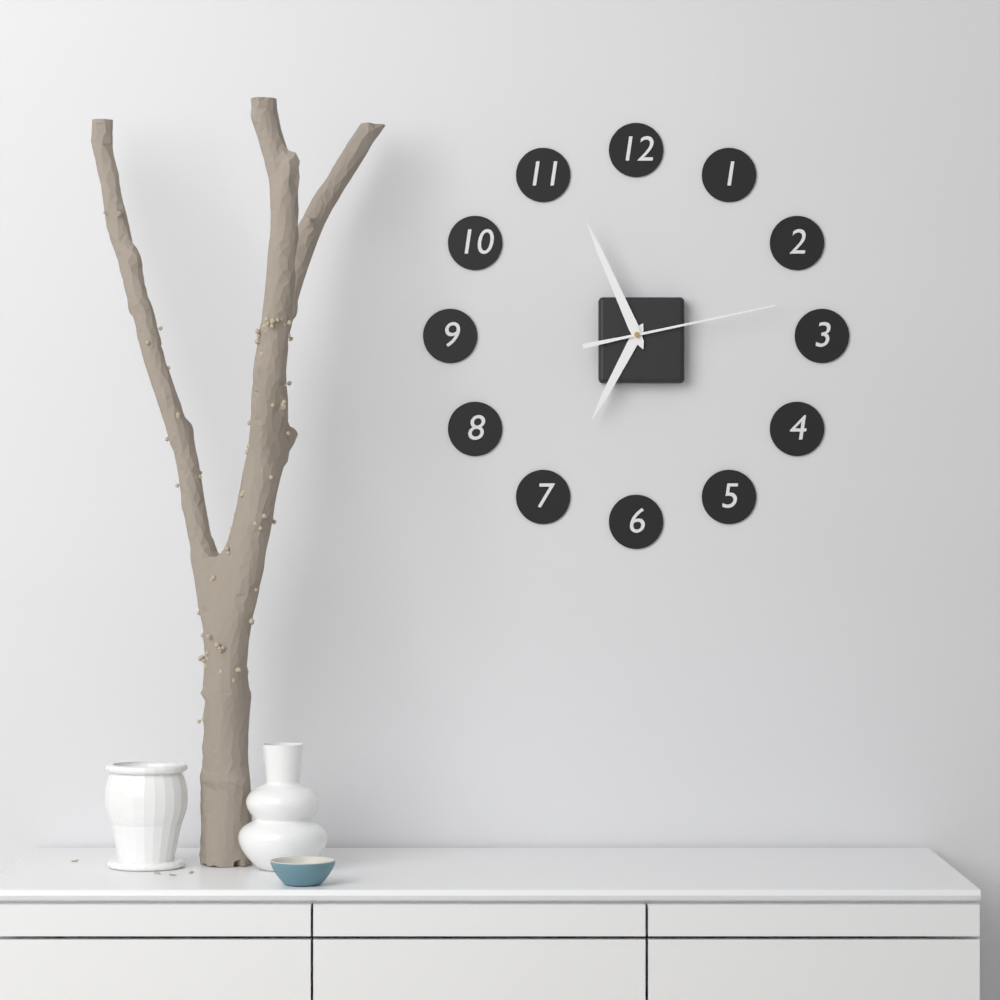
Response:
6h56m13s
